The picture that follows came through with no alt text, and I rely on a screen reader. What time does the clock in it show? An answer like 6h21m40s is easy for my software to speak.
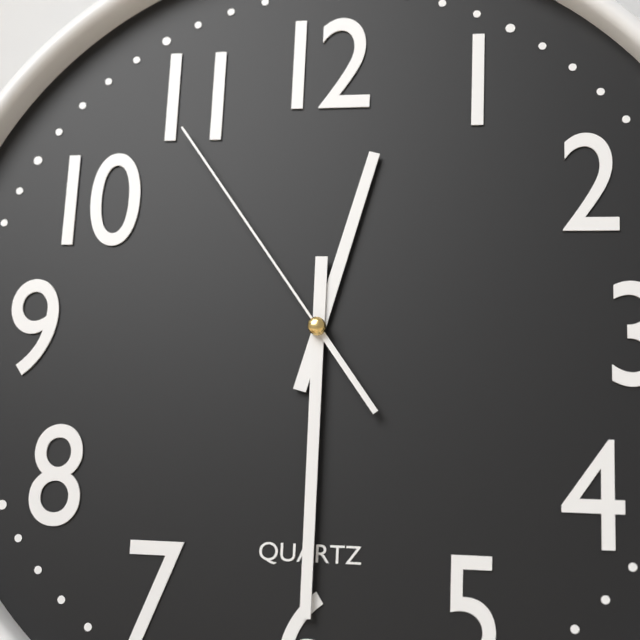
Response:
12h30m54s
